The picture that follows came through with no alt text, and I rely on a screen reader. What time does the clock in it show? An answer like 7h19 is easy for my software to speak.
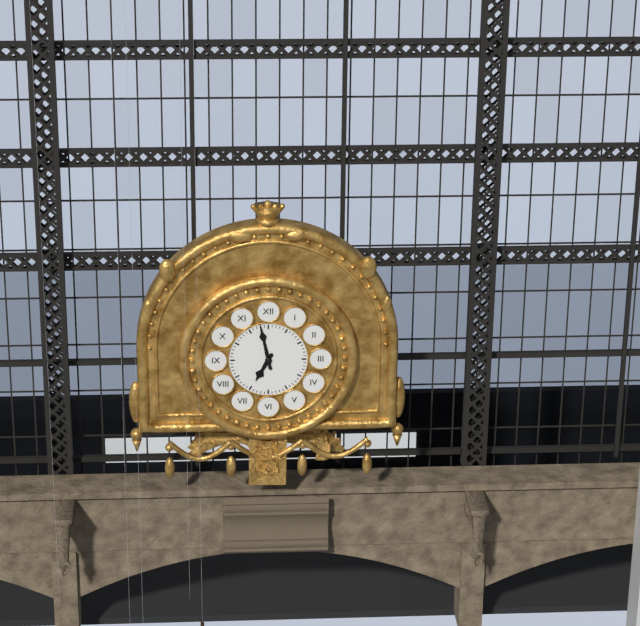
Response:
6h58
